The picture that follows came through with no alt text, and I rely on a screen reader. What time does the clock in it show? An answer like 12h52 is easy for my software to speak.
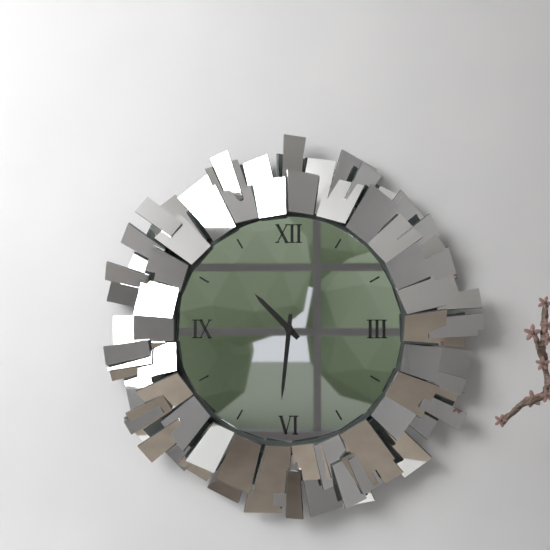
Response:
10h31
